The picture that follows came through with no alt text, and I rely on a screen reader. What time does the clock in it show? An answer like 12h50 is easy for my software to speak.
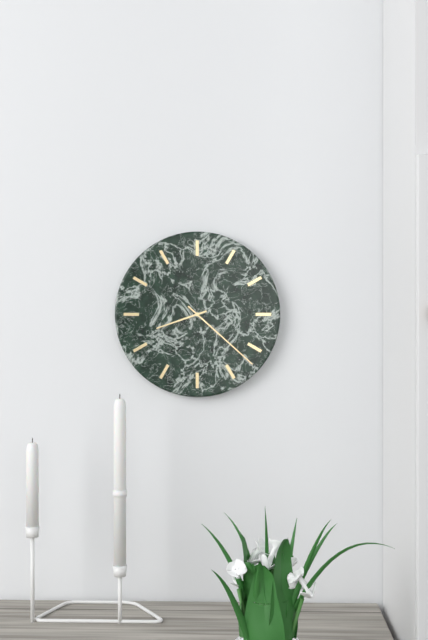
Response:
8h22
